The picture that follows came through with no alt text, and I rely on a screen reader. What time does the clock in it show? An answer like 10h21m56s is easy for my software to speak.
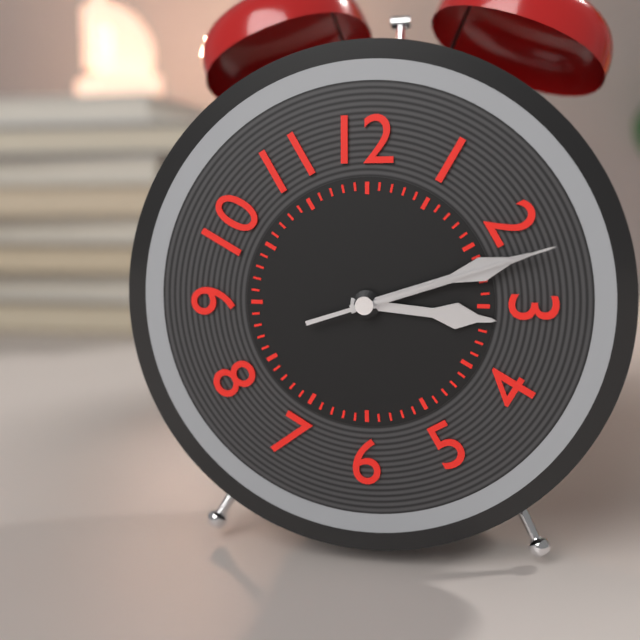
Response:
3h12m12s
